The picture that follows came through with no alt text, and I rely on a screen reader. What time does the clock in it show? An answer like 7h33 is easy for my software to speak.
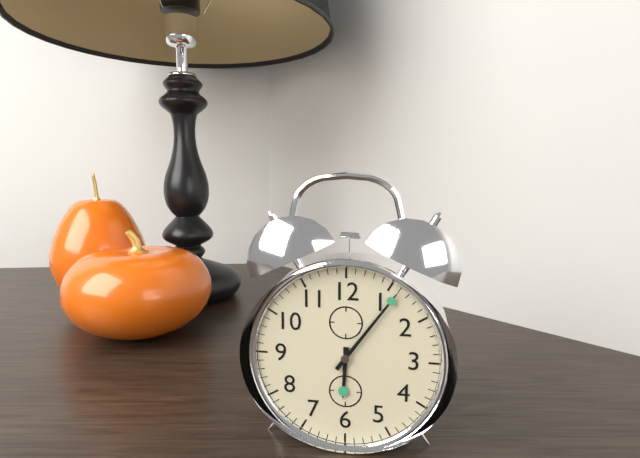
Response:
6h06
